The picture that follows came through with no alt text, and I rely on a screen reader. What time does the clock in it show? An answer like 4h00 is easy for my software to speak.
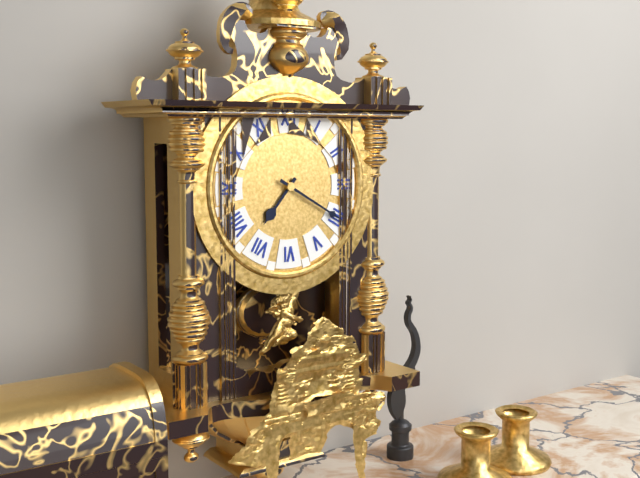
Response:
7h20
